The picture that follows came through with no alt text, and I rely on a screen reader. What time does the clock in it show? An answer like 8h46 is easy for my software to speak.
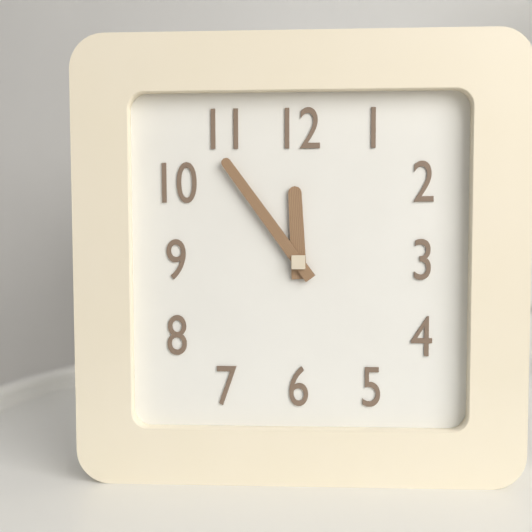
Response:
11h54
